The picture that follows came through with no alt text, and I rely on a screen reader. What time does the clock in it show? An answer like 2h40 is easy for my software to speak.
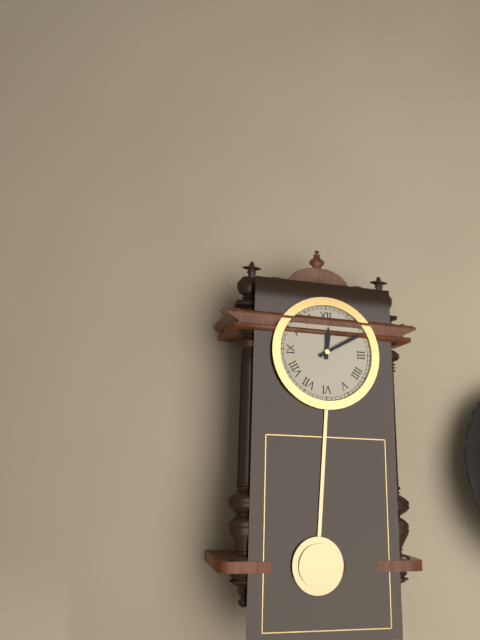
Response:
12h10
